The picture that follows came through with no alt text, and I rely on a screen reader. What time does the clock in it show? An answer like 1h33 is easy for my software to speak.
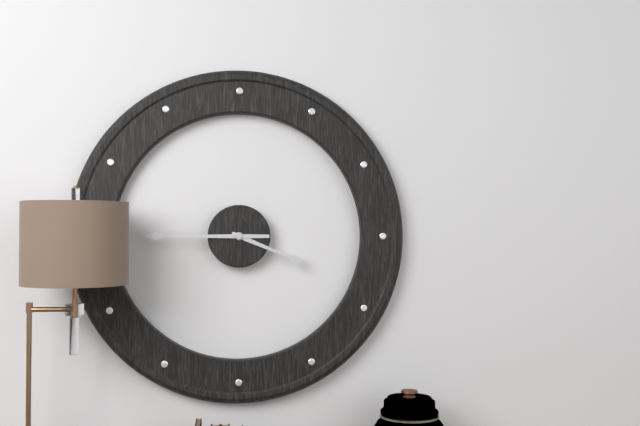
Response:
3h45
